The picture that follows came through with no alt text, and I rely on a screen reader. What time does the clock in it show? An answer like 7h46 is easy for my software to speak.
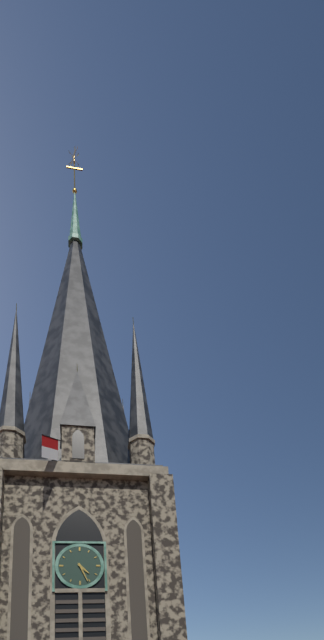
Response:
4h26
